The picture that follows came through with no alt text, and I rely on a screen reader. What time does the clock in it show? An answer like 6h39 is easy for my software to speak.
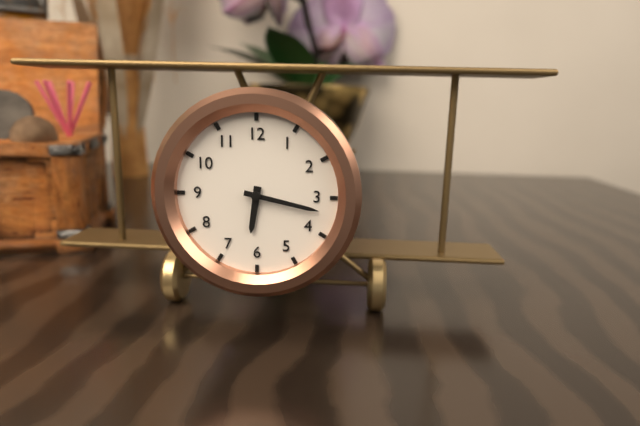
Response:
6h17
